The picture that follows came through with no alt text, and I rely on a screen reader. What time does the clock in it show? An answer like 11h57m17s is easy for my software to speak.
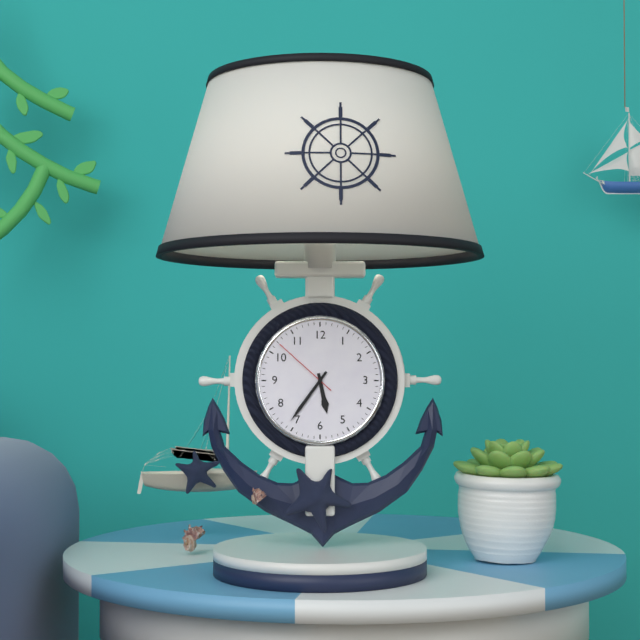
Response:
5h36m52s
